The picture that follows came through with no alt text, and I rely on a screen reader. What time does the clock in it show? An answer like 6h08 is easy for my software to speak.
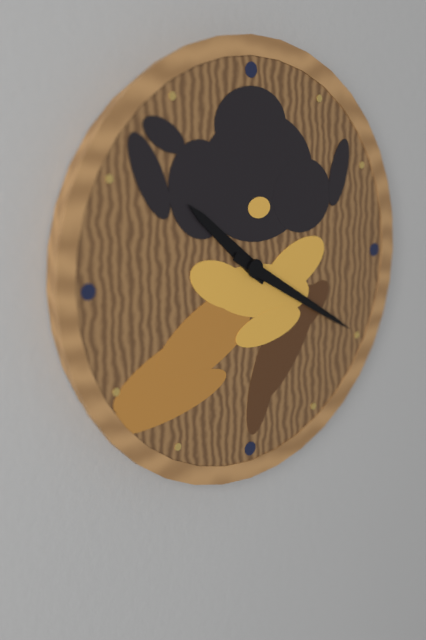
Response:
10h20
